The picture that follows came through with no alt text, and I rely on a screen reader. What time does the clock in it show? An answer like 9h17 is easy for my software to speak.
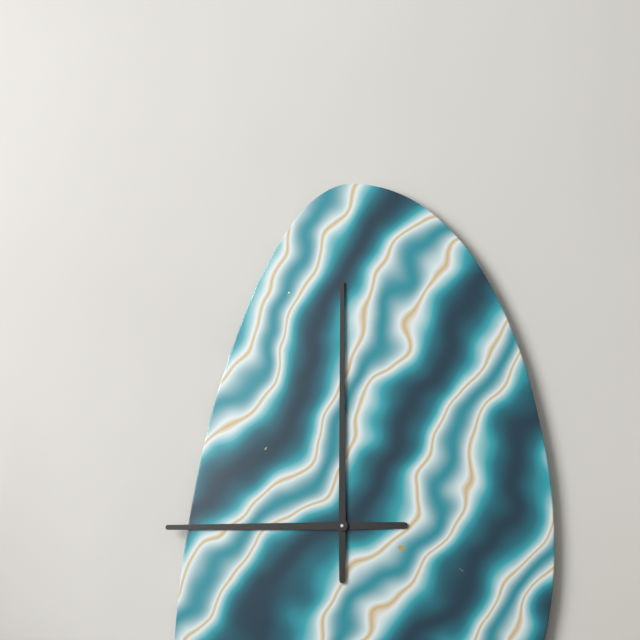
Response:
9h00
